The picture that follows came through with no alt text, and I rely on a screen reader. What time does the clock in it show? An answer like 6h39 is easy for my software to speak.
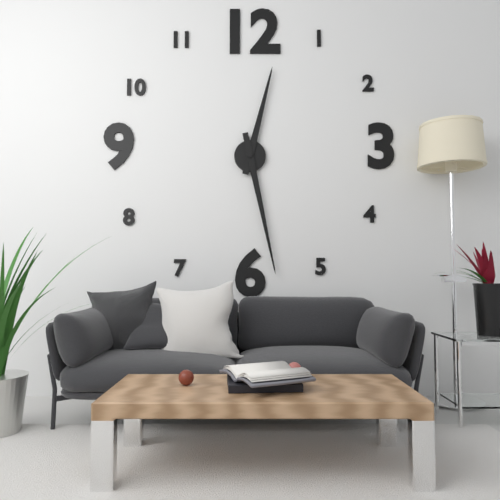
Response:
12h28
